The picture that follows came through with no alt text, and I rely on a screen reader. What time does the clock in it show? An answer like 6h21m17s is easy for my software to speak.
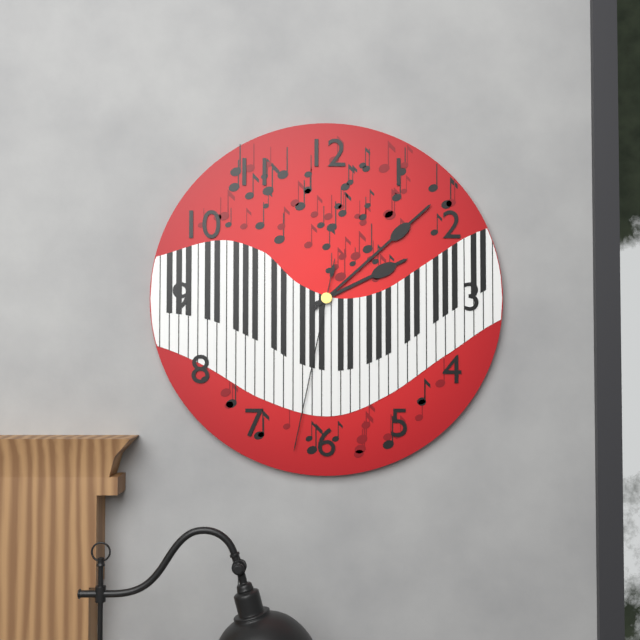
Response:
2h08m32s
